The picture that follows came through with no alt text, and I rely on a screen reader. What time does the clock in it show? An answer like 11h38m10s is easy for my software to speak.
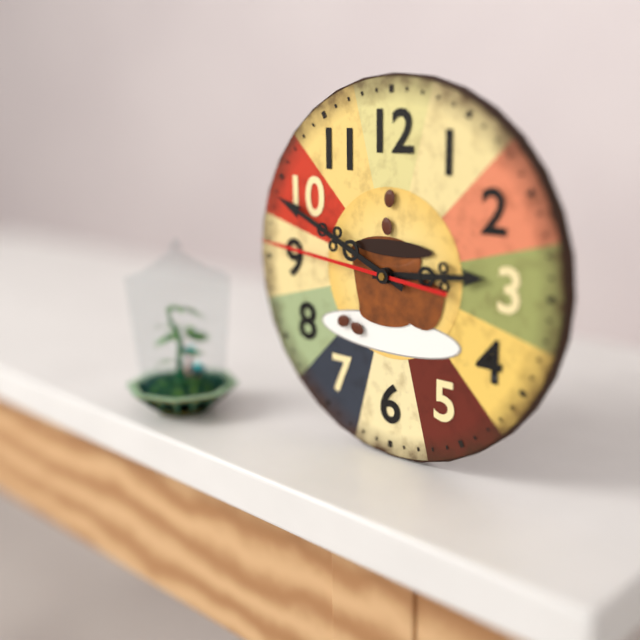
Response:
2h49m46s
